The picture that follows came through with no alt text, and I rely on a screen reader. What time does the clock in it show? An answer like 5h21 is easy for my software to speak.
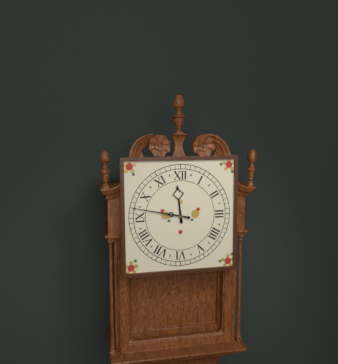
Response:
11h47
